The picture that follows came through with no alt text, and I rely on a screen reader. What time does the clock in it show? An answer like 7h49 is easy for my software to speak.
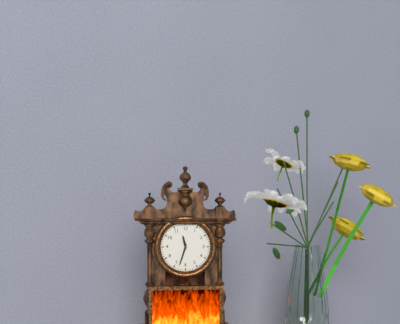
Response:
11h33
